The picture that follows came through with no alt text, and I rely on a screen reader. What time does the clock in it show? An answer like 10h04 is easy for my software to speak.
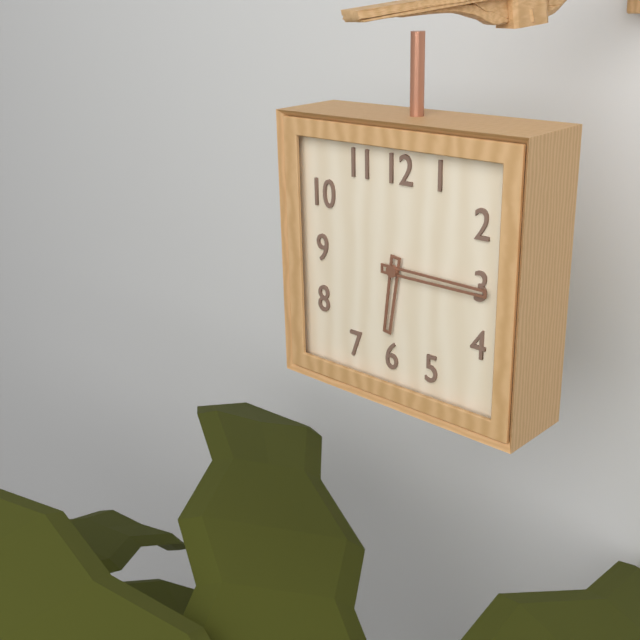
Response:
6h15
